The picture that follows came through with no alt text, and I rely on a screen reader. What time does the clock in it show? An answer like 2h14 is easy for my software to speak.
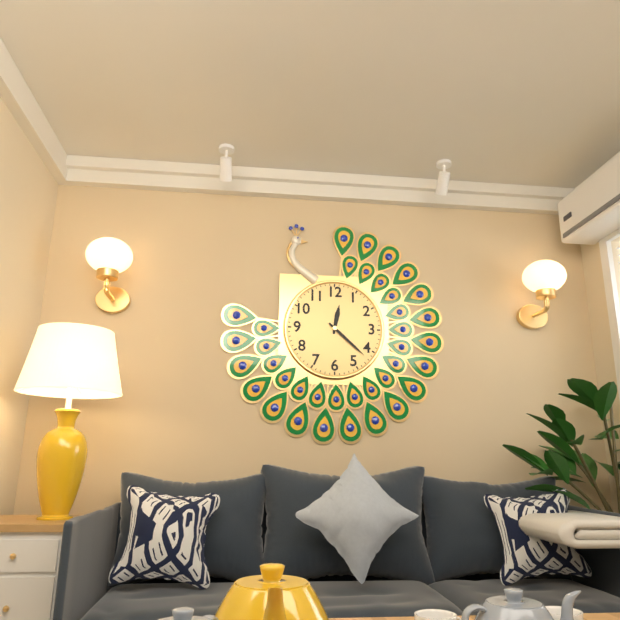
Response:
12h22
